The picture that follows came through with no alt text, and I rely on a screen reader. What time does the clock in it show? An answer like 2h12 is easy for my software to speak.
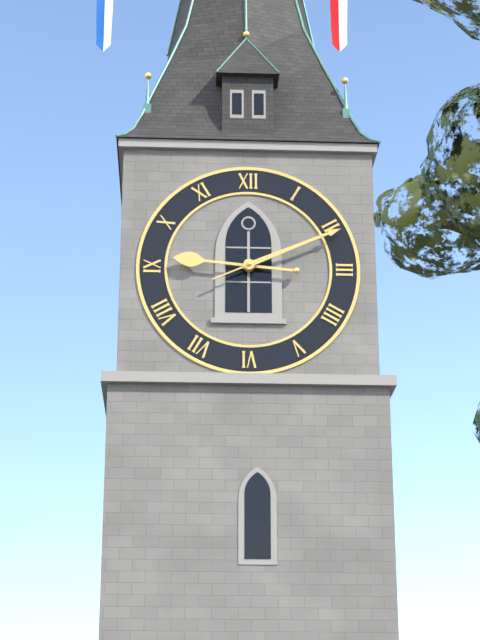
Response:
9h11
